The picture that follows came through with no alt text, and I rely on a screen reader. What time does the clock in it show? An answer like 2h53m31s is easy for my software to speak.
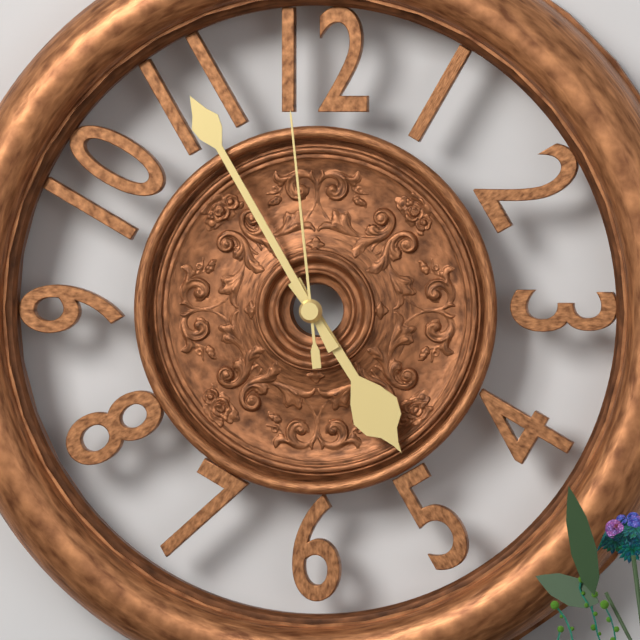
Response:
4h55m59s
